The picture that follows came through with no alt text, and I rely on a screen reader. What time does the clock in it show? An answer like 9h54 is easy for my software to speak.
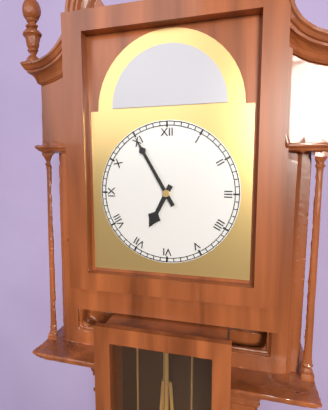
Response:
6h55
